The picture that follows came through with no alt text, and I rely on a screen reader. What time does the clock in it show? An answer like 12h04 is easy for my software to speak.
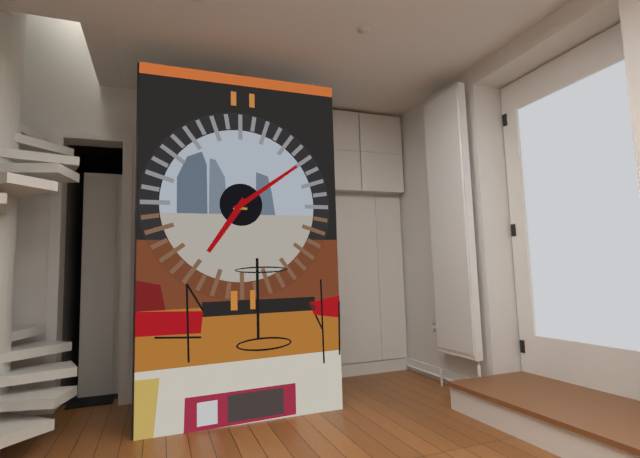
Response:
7h09
